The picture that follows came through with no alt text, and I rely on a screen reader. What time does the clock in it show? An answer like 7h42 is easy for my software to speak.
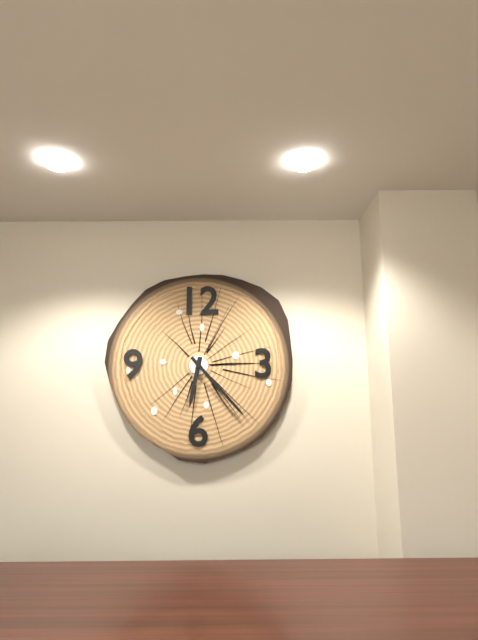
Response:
6h23
